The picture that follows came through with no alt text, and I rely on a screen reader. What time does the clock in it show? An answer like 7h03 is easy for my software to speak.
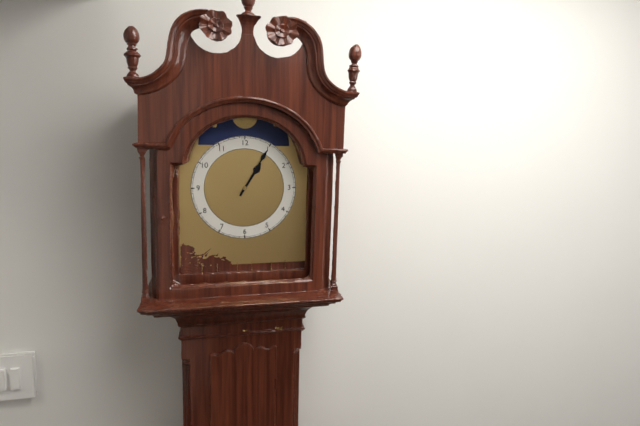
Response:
1h05
